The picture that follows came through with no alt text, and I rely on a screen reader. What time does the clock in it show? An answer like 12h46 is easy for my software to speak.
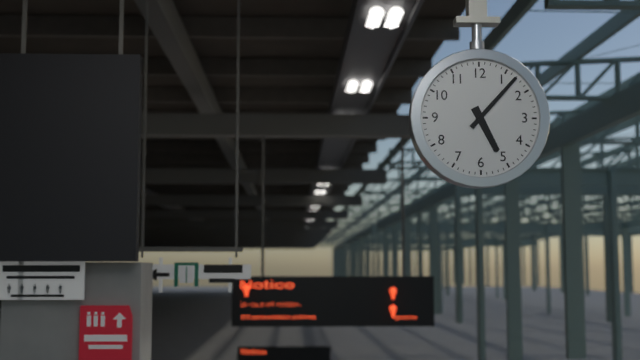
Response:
5h07
